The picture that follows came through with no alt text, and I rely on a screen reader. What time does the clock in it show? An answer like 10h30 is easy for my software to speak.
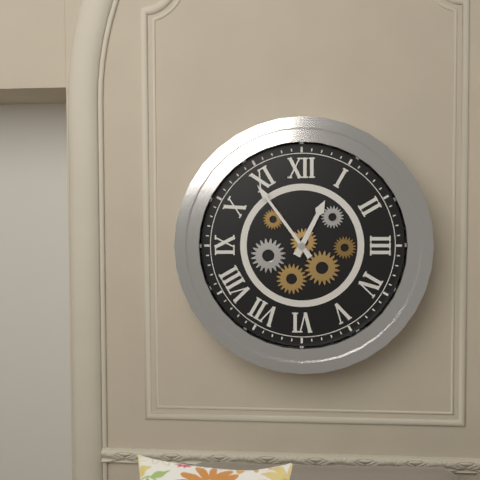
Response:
12h54
